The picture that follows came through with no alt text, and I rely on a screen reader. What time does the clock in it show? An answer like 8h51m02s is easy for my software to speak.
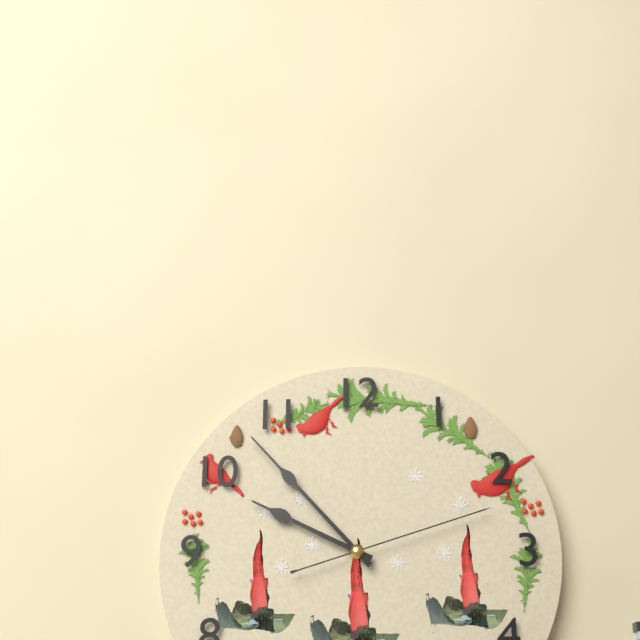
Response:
9h53m12s
